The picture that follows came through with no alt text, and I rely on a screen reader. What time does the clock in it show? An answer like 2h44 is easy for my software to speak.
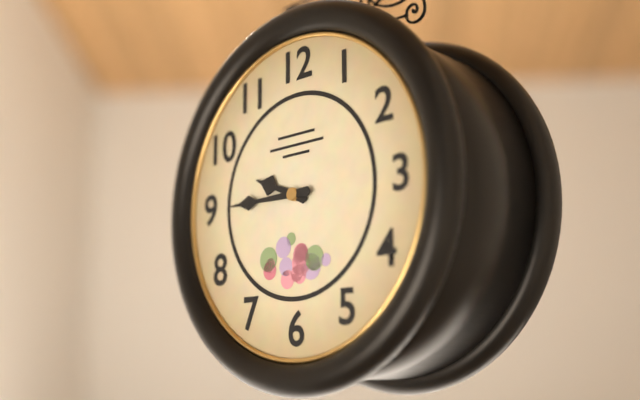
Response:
9h45
